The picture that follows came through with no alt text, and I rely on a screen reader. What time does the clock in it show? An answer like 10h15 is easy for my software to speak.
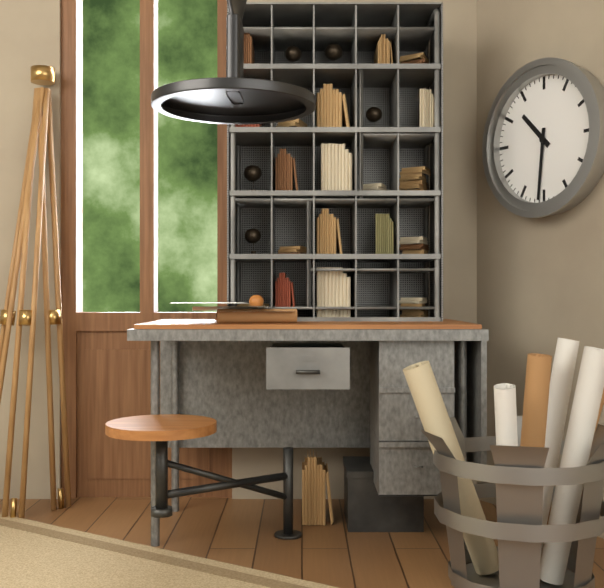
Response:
10h31
